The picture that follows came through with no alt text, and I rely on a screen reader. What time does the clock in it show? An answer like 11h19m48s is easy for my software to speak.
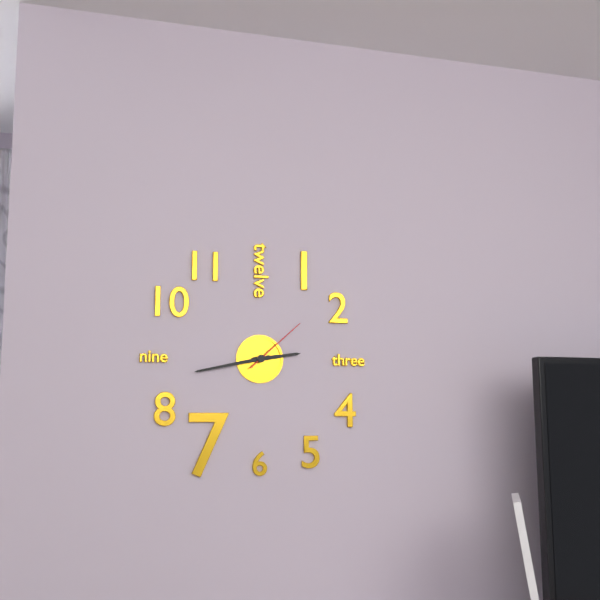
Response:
2h43m08s
